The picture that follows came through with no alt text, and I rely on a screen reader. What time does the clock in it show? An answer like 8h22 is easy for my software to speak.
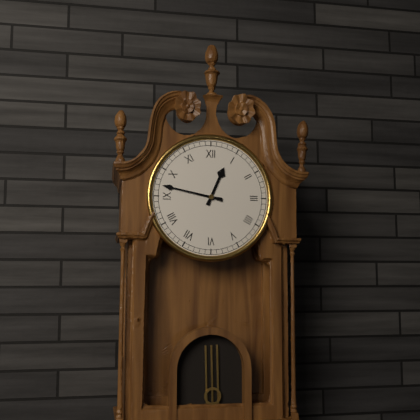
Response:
12h47
